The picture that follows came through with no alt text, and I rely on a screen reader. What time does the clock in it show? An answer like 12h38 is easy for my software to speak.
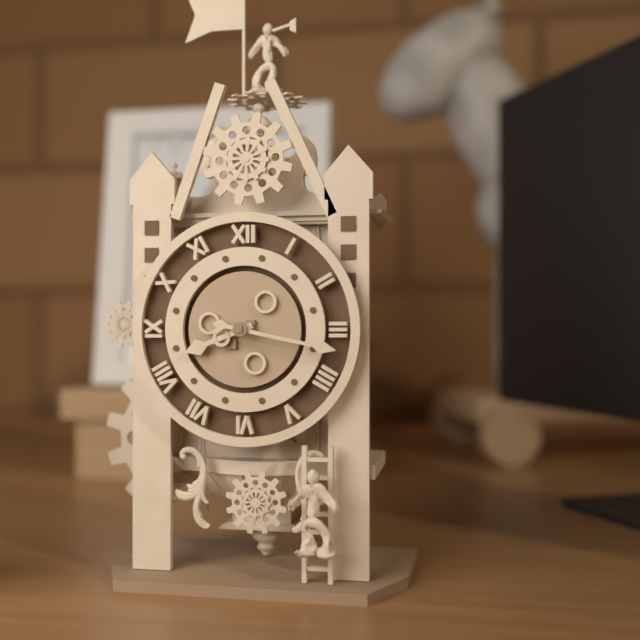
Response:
8h17
